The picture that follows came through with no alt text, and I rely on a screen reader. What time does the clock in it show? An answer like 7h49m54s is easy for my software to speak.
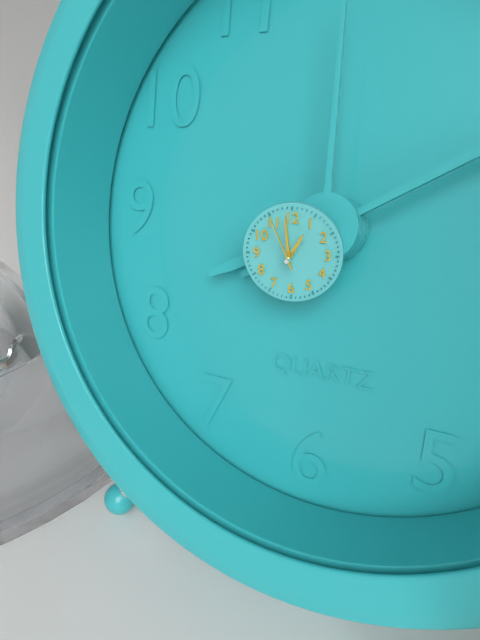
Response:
12h59m56s
